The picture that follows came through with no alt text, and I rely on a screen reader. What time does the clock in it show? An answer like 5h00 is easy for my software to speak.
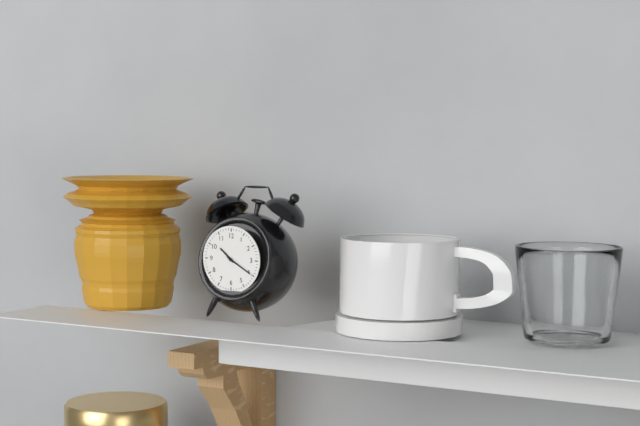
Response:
10h20
